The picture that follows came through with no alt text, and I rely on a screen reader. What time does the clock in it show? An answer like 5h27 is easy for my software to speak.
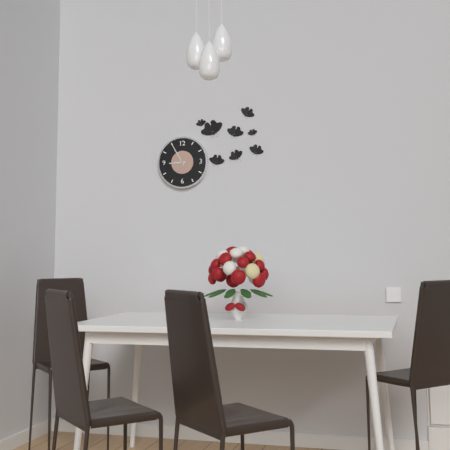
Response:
8h55
